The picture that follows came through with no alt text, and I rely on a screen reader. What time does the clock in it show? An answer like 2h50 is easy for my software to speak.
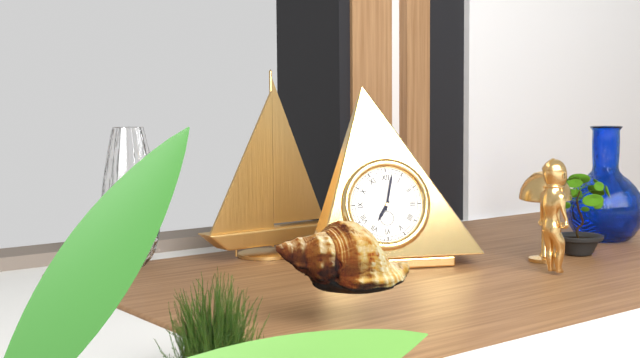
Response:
7h02
